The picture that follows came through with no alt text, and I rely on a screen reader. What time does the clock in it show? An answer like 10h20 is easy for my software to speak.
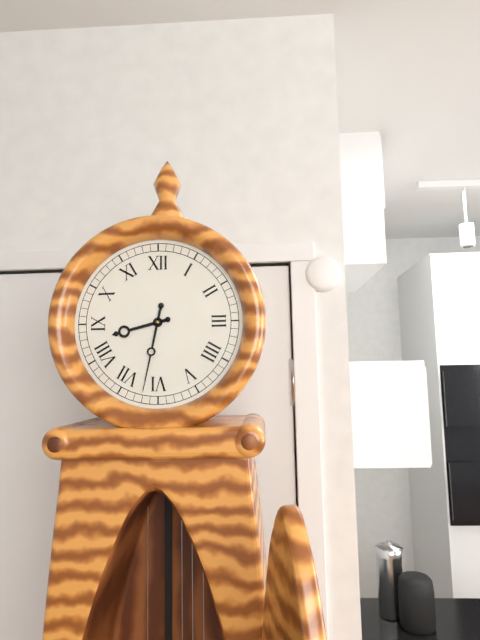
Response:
8h32
